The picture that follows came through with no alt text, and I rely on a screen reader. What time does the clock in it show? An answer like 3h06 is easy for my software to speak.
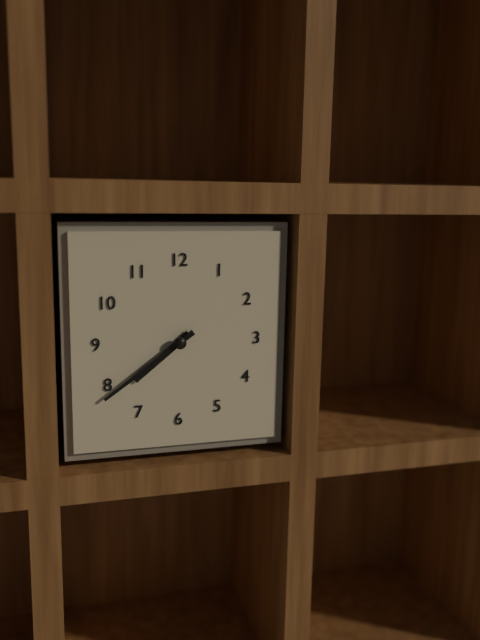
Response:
7h39
